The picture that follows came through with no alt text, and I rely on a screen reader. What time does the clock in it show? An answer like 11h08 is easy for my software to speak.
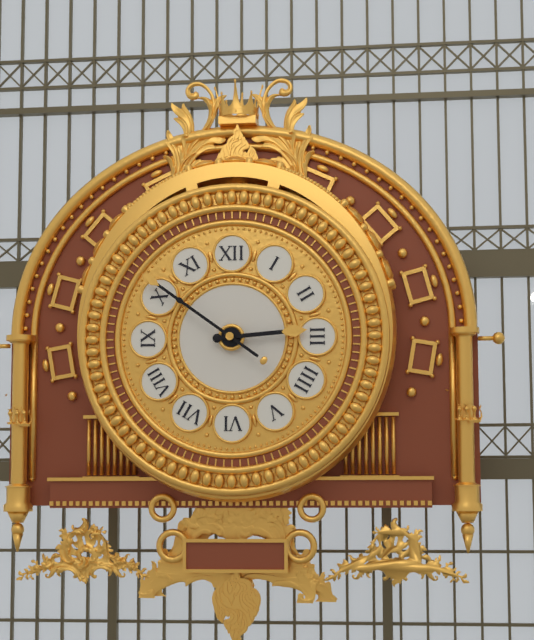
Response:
2h51
